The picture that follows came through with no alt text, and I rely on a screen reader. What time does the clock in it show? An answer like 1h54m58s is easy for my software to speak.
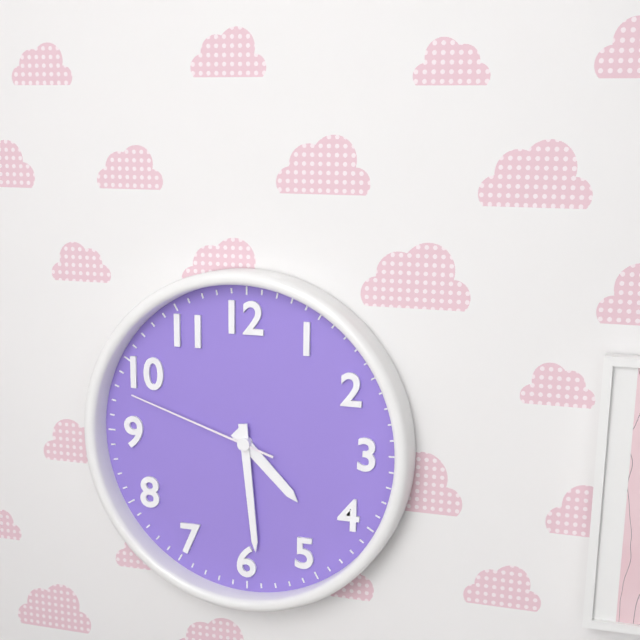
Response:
4h29m48s
